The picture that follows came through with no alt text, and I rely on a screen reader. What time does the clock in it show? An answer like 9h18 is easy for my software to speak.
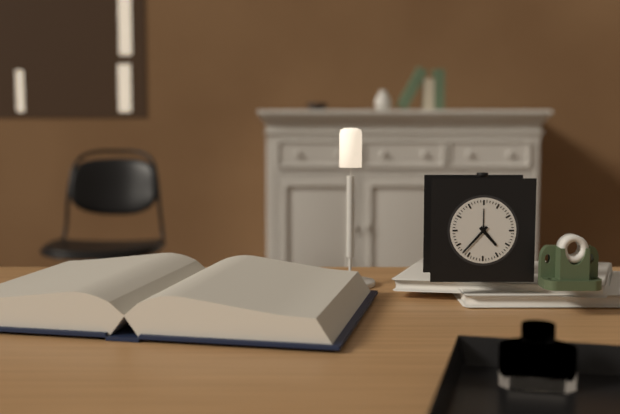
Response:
4h37
